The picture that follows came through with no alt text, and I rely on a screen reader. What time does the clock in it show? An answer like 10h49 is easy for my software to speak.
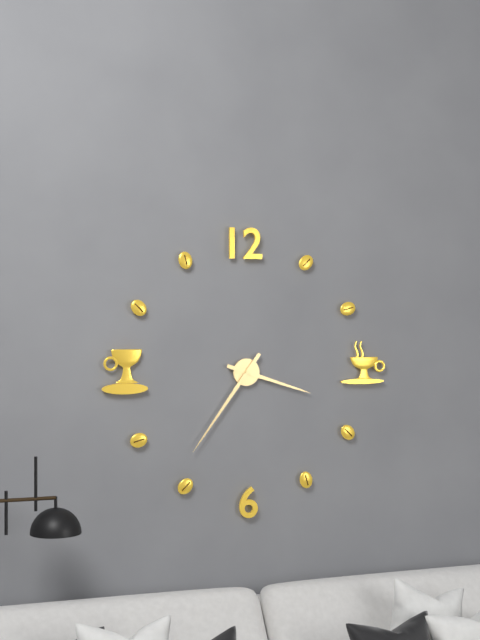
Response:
3h36
